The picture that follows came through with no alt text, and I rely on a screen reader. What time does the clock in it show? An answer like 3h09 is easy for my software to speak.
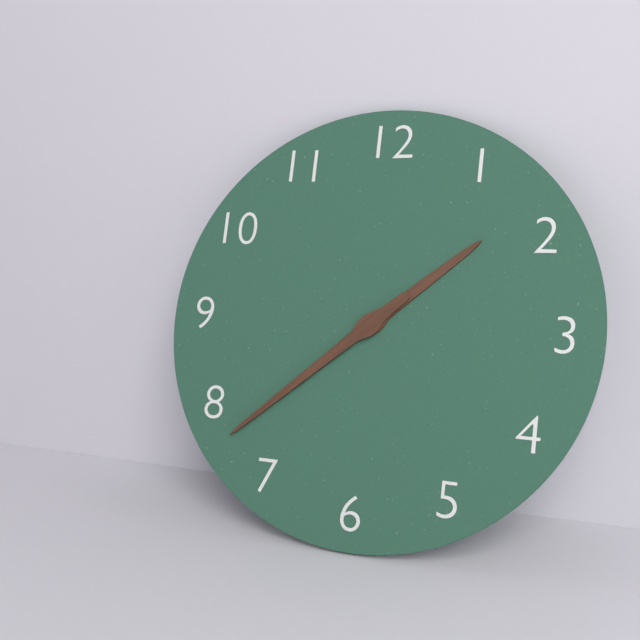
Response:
1h38
